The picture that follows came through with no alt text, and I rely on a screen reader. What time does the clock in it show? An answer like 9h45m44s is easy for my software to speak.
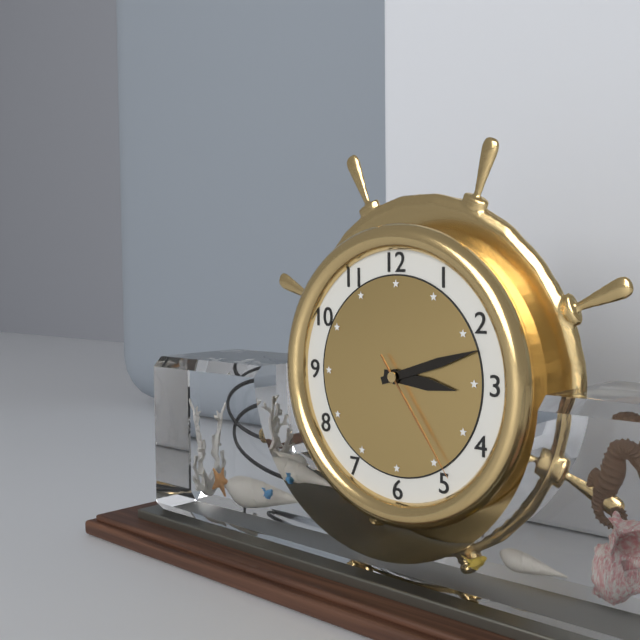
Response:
3h12m24s
